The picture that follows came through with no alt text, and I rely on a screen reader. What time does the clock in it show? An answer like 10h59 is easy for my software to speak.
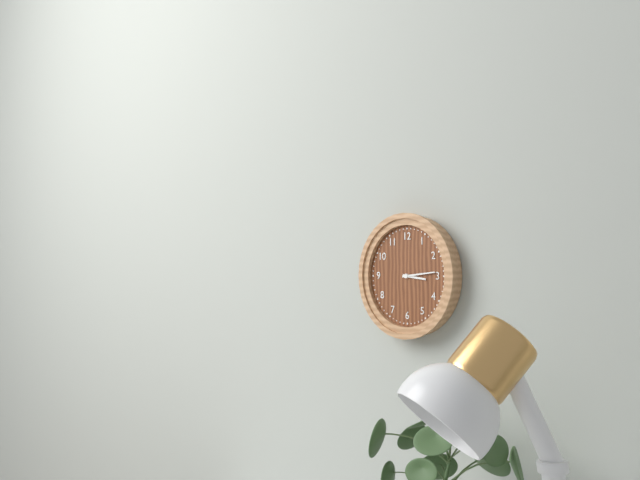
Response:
3h14
